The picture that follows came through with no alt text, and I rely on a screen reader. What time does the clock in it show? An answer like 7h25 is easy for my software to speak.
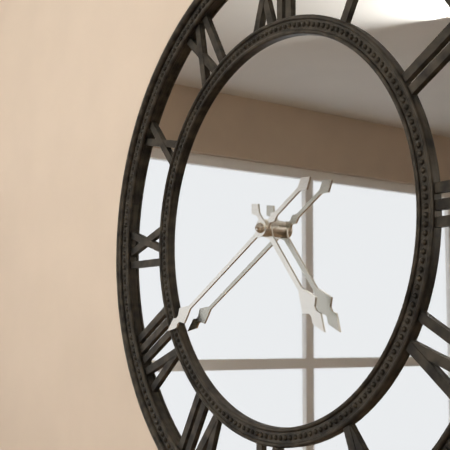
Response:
4h40
